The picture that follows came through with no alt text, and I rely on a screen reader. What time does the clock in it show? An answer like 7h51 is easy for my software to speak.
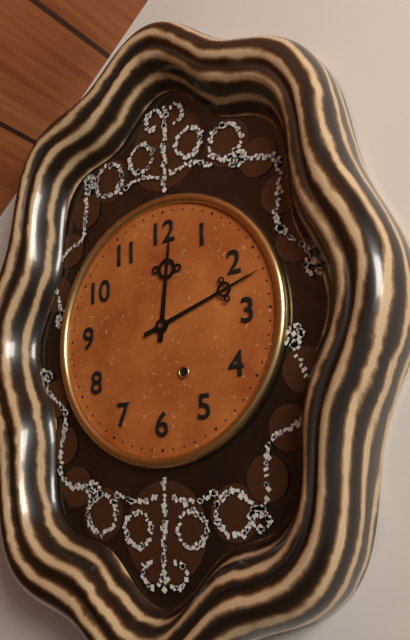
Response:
12h12
